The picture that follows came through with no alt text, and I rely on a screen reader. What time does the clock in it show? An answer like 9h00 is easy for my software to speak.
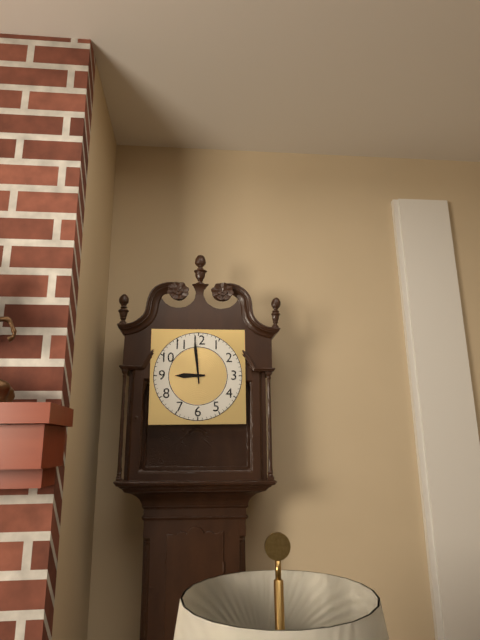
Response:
8h59
